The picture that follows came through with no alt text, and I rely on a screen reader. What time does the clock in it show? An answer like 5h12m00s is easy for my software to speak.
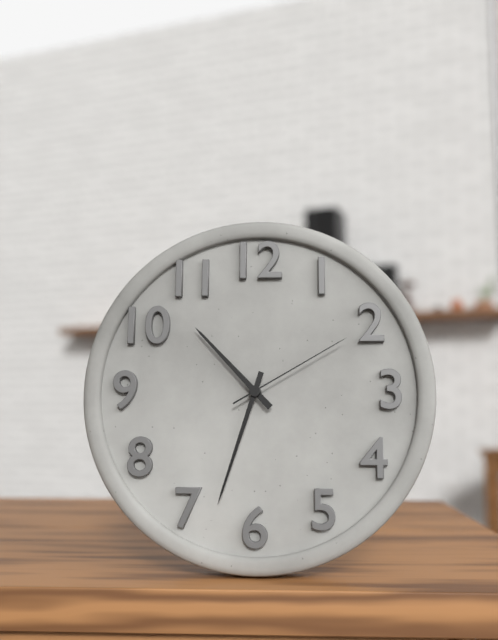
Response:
10h33m10s
